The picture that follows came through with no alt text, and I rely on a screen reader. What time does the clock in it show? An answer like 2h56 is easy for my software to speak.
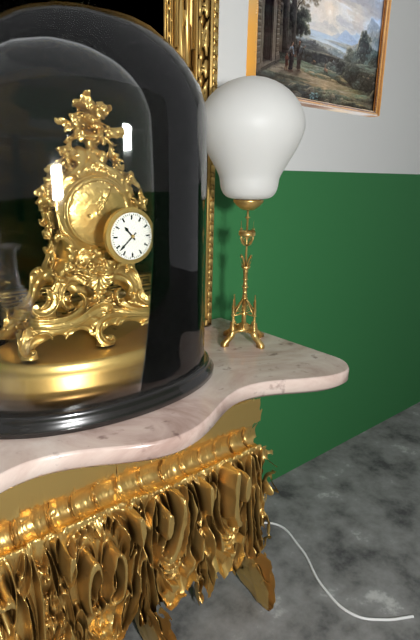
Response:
10h38
